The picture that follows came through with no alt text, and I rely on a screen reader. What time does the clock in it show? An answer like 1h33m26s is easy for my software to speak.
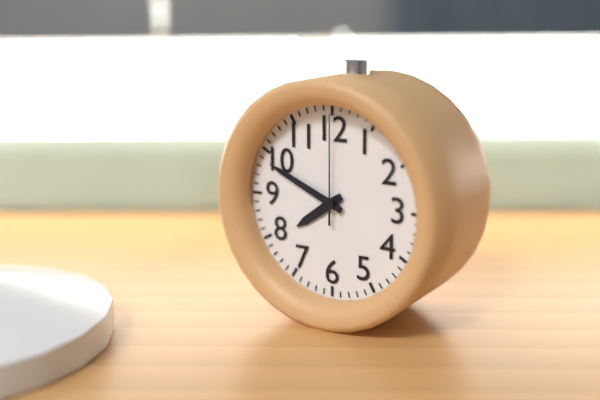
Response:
7h49m00s
